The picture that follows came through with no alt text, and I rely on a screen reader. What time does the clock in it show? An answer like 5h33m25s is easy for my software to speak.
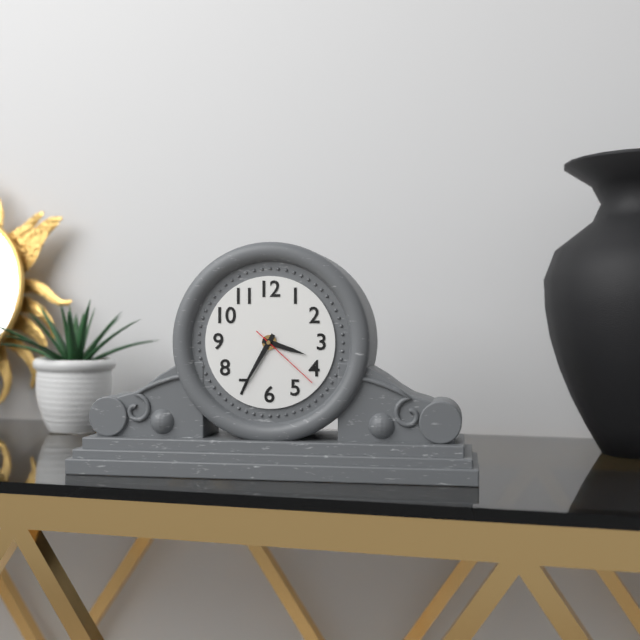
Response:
3h35m22s
